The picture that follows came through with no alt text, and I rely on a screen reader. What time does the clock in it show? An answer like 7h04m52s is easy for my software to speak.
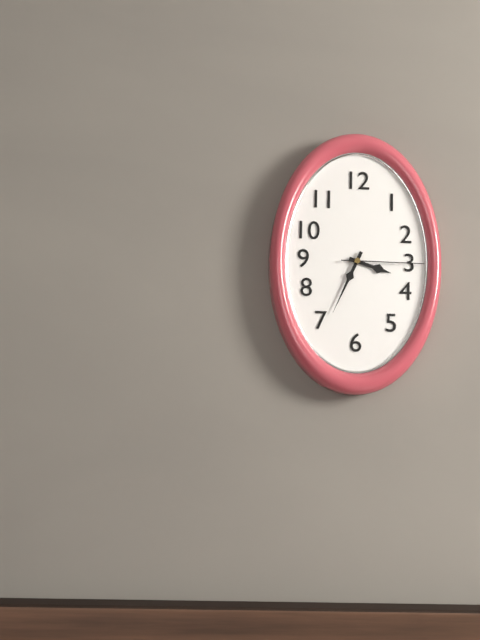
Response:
3h34m15s
